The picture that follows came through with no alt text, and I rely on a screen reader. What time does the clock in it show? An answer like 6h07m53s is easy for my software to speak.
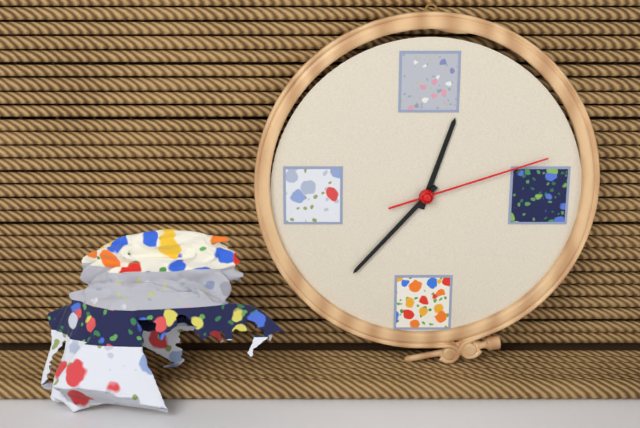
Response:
12h37m12s
